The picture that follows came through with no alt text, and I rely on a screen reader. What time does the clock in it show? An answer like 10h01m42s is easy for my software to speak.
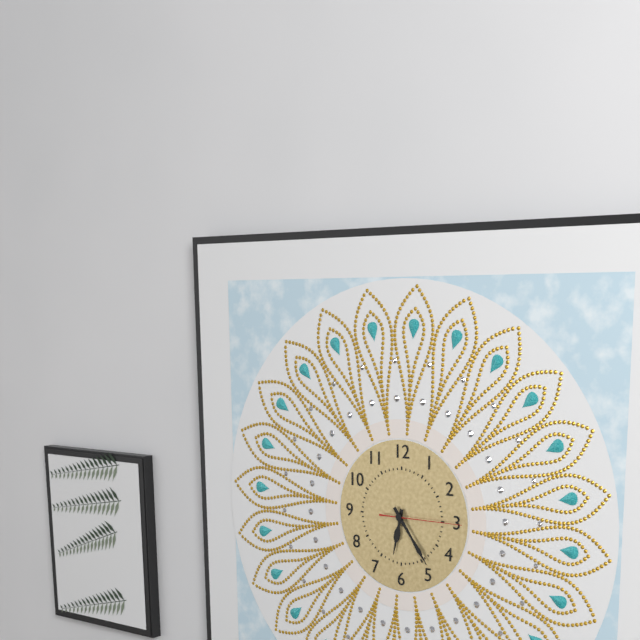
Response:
6h24m15s
